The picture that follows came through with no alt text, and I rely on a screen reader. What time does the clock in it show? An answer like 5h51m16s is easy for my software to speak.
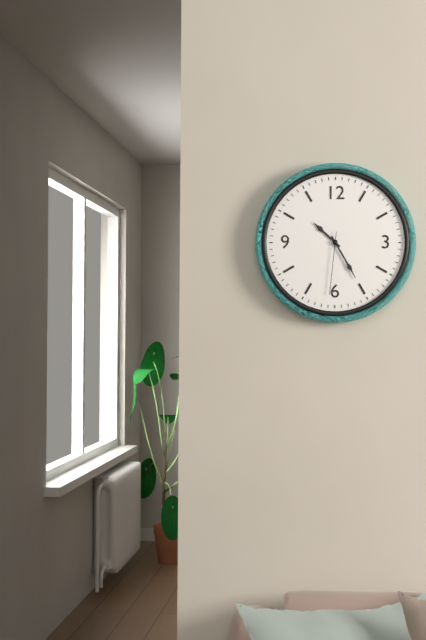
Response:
10h25m31s
